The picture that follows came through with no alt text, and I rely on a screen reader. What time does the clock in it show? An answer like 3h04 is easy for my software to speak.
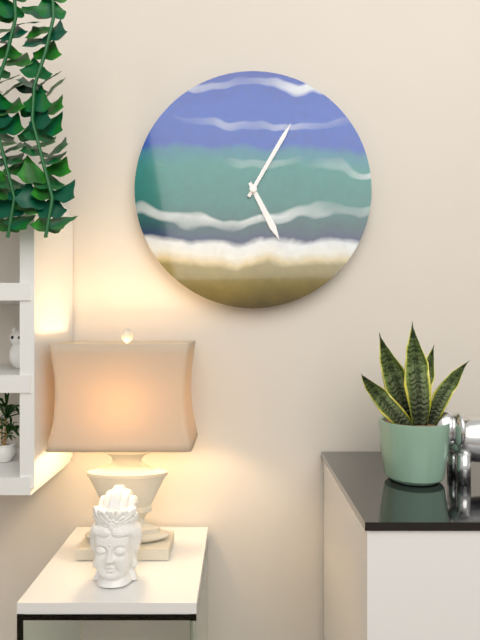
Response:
5h05
